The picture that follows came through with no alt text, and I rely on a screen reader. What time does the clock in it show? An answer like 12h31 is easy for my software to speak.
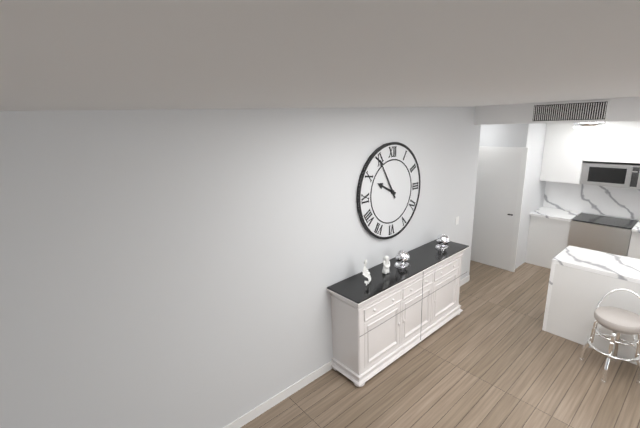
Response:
9h55
